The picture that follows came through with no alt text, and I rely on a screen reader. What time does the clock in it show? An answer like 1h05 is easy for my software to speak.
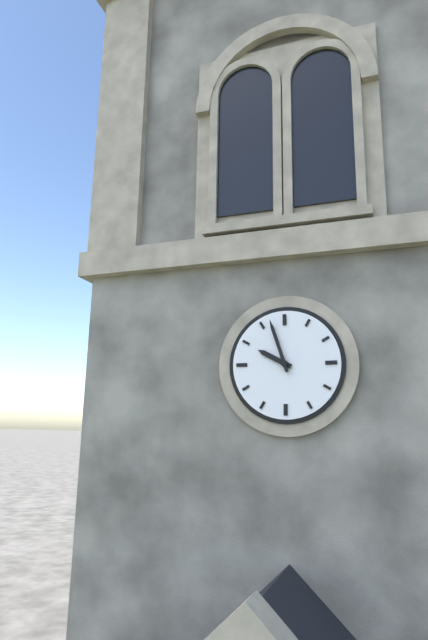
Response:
9h57
